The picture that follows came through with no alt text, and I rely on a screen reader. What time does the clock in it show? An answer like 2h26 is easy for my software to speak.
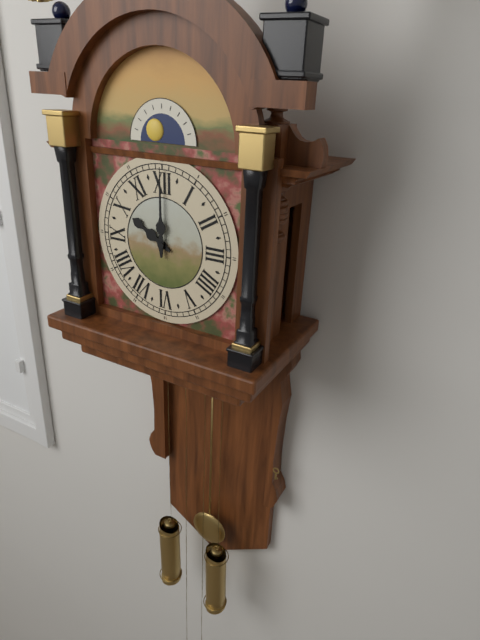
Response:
10h00
